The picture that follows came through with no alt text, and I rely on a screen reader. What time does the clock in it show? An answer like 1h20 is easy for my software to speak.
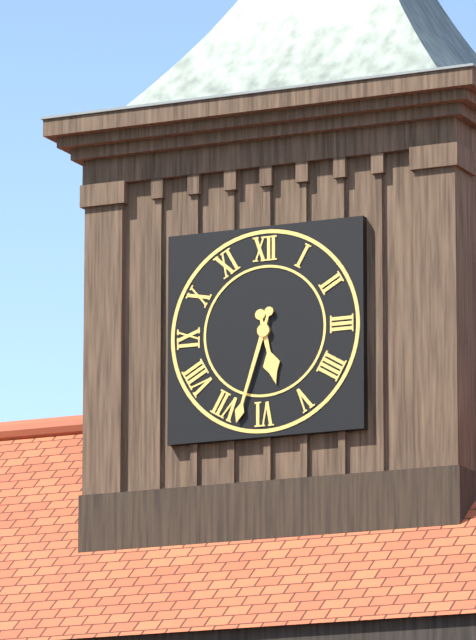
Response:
5h33
